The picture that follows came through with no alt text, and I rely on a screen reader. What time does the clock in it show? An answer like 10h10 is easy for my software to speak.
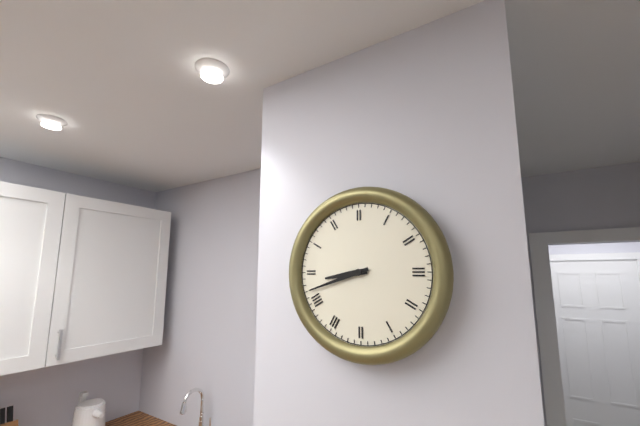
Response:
8h42
